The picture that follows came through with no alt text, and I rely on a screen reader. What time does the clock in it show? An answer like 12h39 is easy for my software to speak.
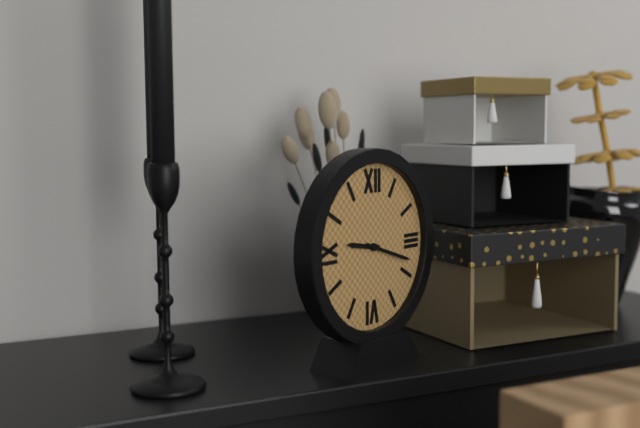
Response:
9h18
